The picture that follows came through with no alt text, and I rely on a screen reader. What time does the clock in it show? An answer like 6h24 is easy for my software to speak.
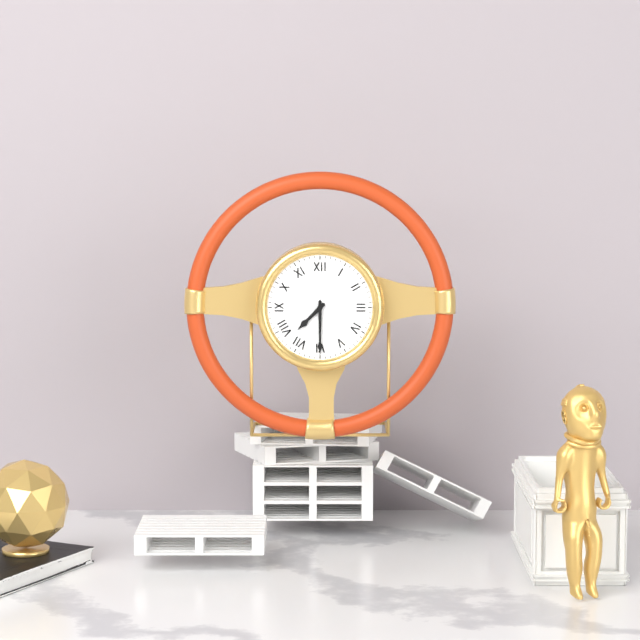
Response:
7h30
